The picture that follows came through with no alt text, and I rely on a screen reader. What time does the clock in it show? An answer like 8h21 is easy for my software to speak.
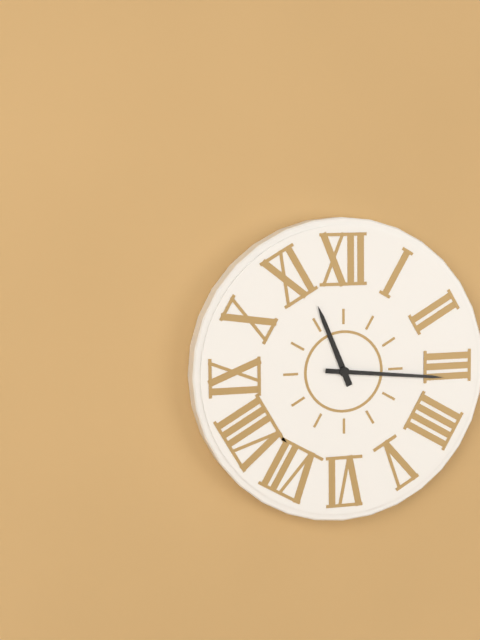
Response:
11h16
